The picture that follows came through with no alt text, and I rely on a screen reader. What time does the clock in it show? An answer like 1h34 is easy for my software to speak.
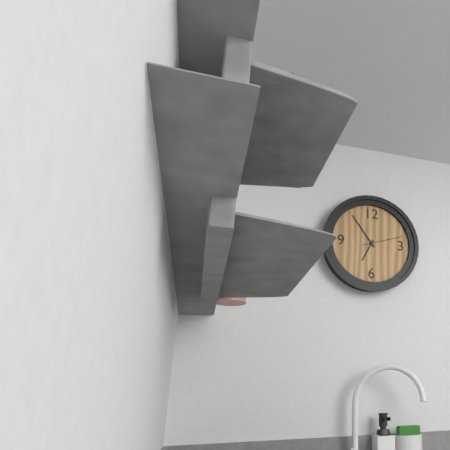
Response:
6h54
